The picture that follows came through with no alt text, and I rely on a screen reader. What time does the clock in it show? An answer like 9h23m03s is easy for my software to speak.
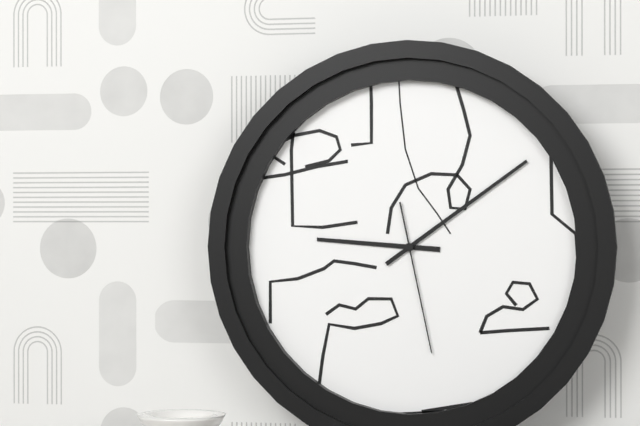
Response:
9h09m28s
